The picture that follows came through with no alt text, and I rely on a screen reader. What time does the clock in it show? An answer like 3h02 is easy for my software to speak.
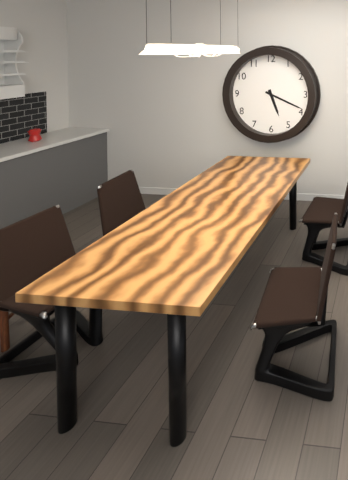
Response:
5h19
